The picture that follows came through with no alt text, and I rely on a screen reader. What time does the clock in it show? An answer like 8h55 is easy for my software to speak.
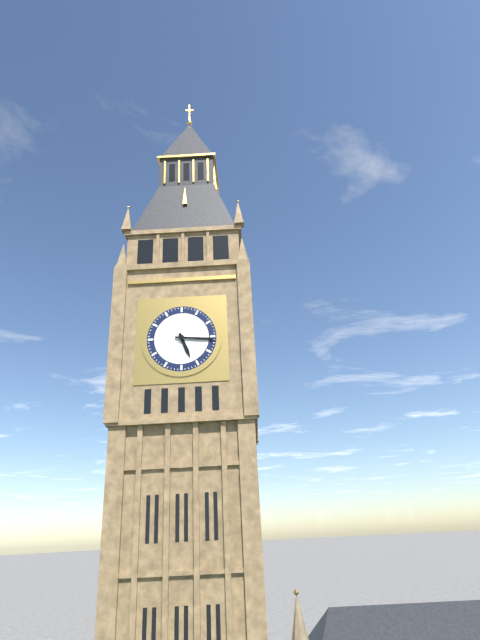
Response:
5h16
